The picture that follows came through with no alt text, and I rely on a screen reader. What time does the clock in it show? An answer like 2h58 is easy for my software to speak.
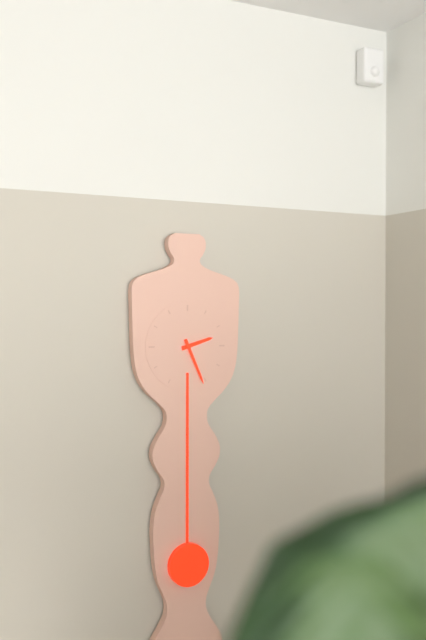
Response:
2h26
